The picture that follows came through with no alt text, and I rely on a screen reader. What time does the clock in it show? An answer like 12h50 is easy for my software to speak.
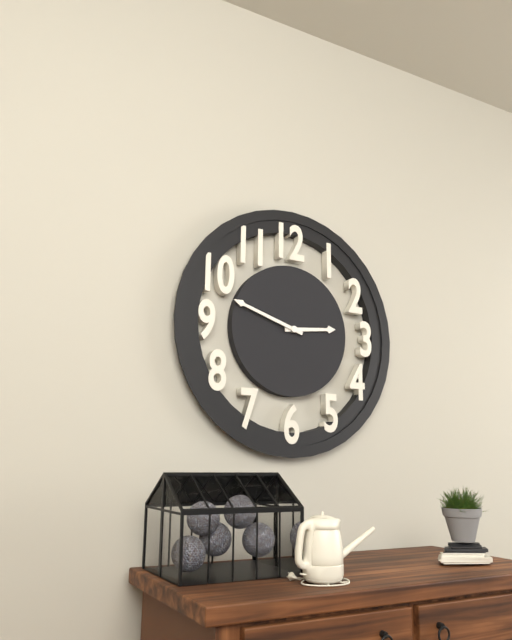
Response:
2h48
